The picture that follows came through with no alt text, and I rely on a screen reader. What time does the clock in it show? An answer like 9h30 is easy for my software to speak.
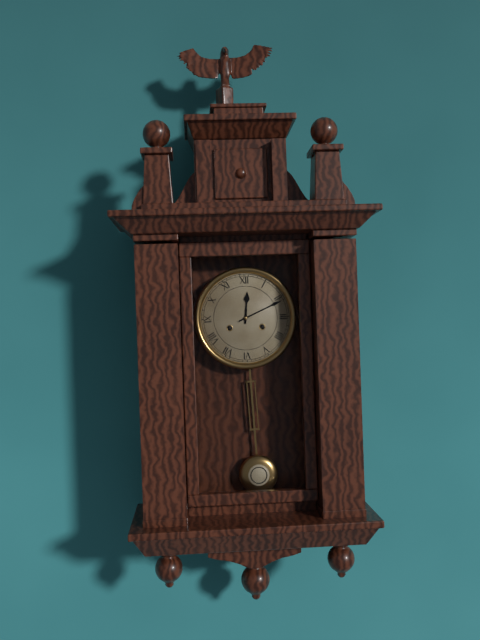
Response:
12h11
